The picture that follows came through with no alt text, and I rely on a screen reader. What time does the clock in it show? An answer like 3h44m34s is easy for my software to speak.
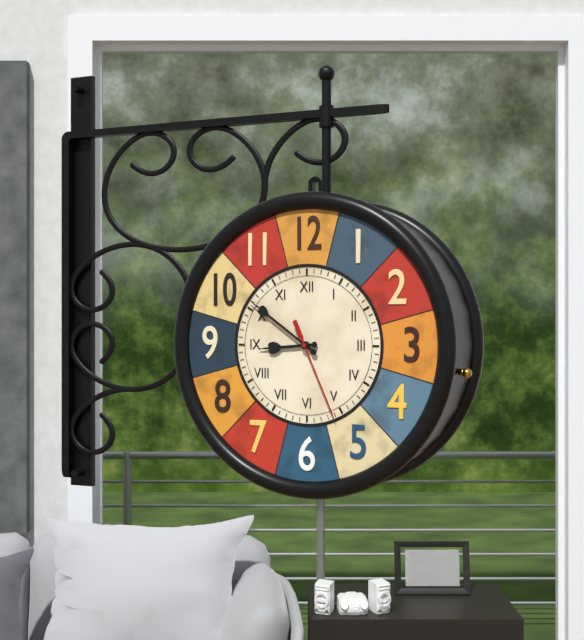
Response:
8h51m26s
